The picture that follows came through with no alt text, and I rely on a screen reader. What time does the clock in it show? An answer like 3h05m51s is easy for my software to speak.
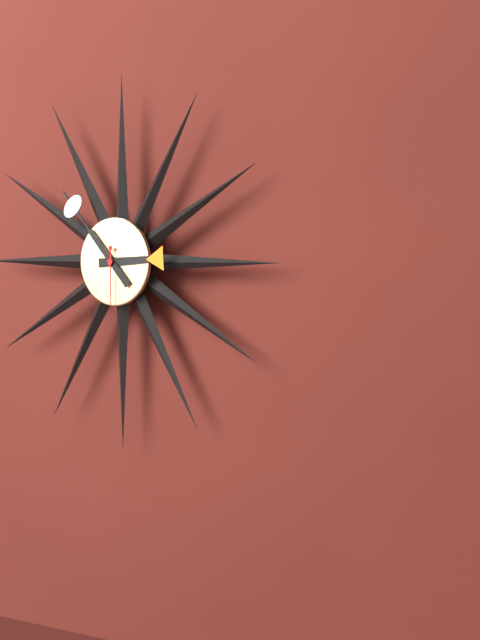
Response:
2h53m30s
